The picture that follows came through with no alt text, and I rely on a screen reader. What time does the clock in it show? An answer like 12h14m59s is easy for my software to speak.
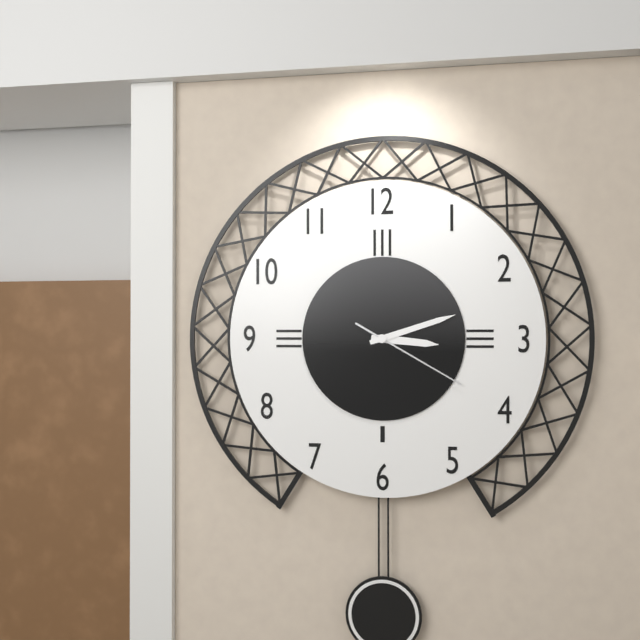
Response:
3h12m20s
